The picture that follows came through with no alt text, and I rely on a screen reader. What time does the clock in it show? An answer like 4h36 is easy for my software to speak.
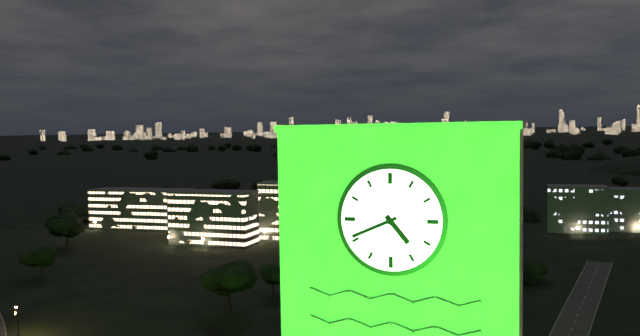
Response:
4h41
